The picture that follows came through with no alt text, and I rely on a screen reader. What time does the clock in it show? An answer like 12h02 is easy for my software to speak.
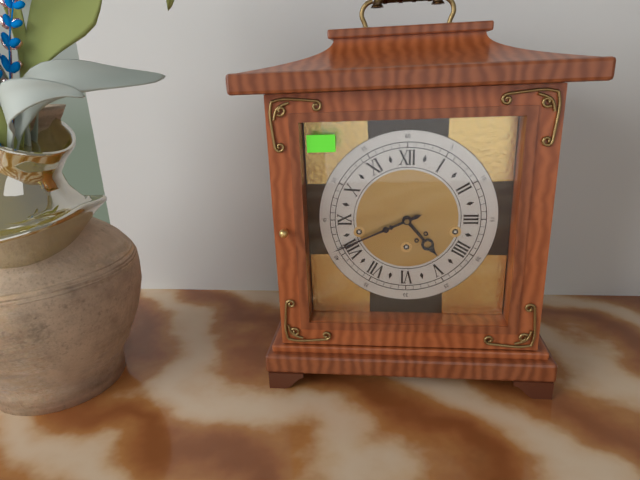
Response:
4h41
